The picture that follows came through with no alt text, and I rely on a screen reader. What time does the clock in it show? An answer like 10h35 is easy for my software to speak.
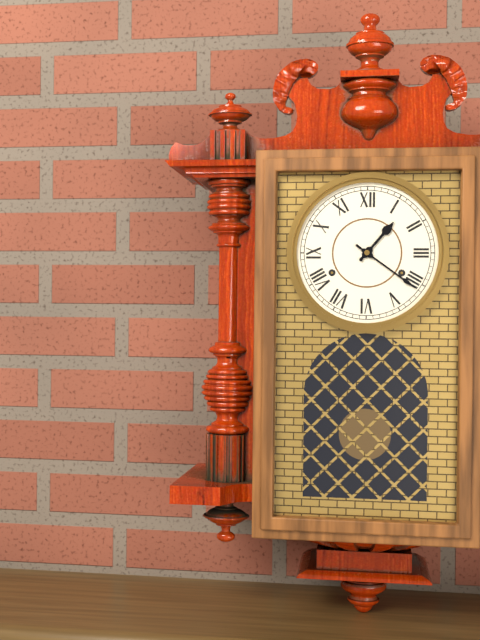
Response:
1h21
